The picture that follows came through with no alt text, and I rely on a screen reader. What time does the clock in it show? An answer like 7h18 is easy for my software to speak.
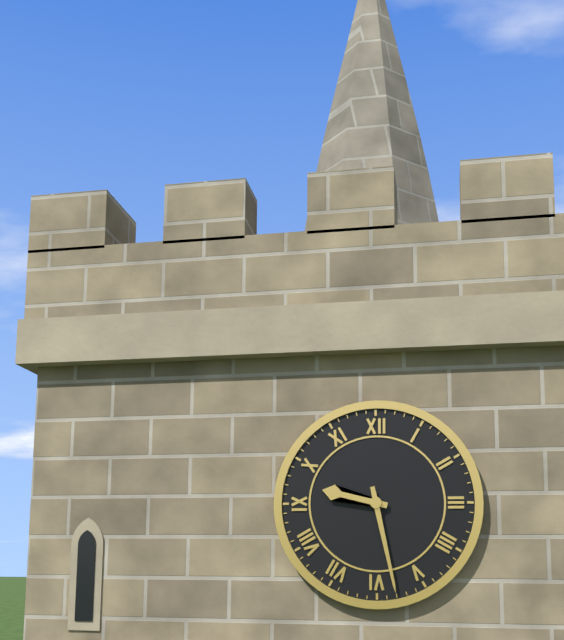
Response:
9h28
